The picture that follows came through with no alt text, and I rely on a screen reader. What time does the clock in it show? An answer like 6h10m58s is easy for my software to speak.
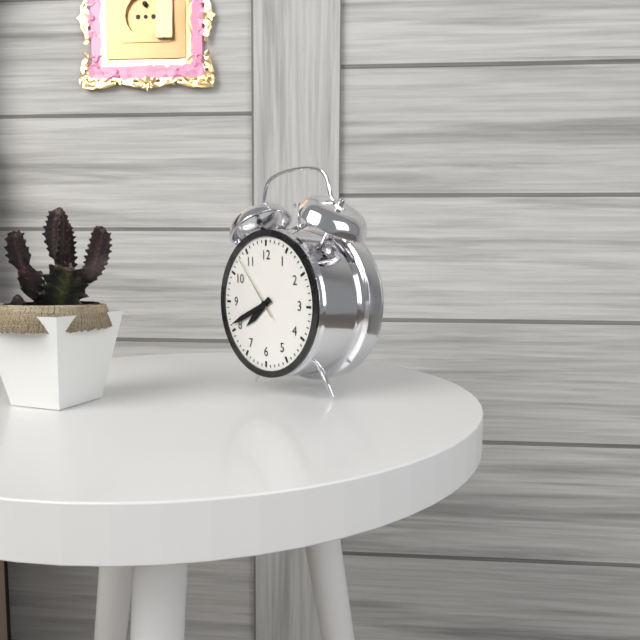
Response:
7h41m53s
